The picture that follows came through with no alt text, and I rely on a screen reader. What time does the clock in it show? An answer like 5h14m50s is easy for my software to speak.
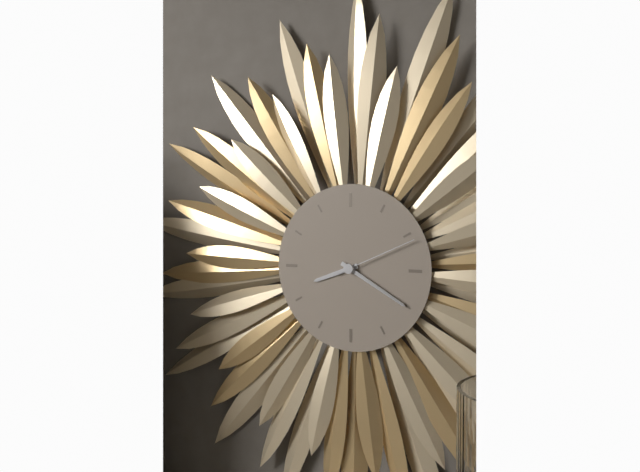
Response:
8h20m11s
